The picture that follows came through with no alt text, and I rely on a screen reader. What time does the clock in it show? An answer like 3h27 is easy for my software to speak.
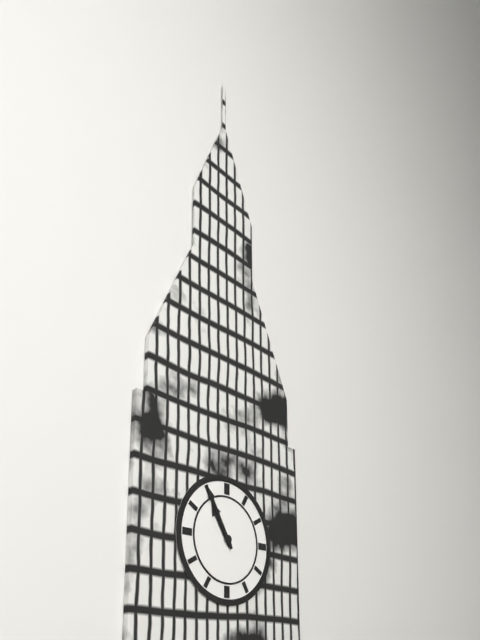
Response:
10h55
